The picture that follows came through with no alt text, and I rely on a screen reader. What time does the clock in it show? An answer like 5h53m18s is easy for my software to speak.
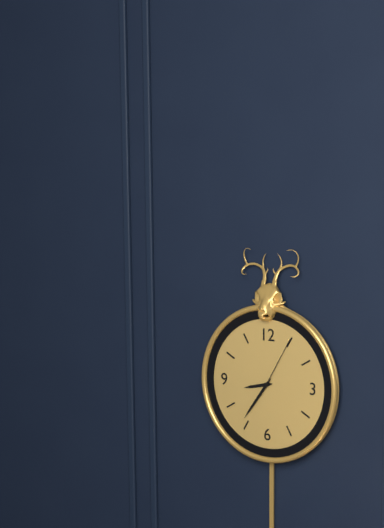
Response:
8h36m05s
